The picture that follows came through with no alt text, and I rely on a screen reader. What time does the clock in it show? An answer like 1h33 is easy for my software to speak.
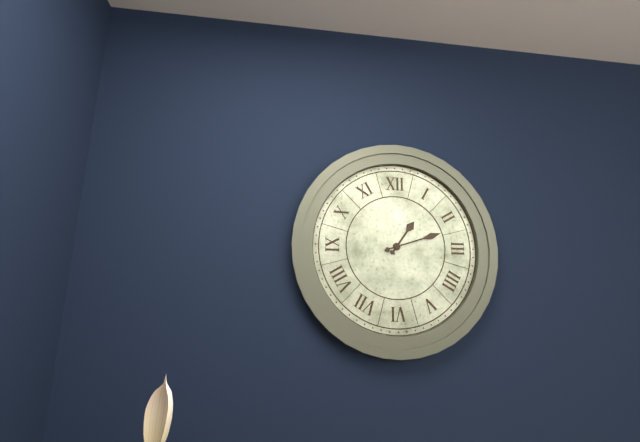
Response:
1h12
